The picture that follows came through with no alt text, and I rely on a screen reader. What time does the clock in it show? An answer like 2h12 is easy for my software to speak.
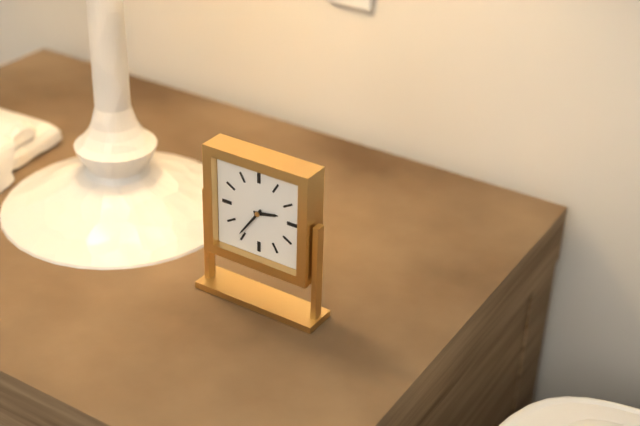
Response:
2h36
